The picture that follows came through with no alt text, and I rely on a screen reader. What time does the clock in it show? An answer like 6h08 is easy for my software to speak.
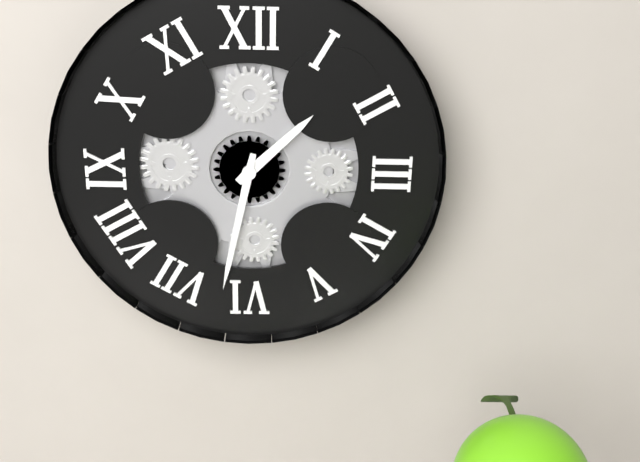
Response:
1h32
